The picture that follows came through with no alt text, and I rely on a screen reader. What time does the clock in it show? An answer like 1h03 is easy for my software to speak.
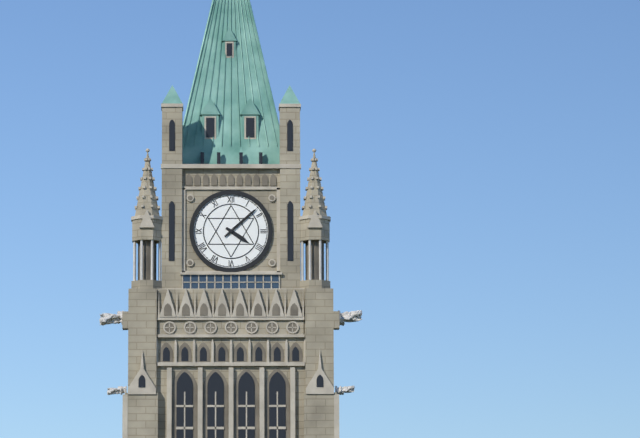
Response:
4h08
